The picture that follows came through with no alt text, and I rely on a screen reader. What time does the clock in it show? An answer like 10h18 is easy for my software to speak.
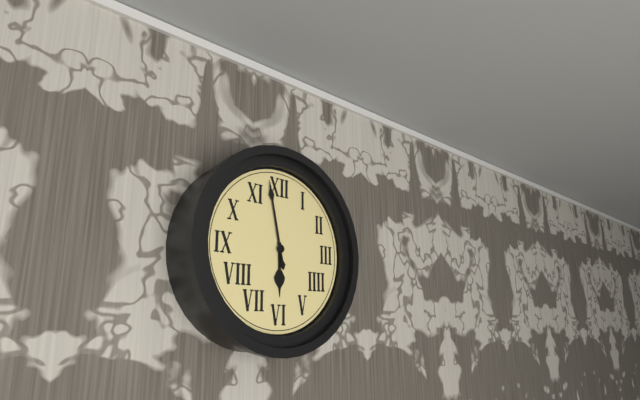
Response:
5h58
